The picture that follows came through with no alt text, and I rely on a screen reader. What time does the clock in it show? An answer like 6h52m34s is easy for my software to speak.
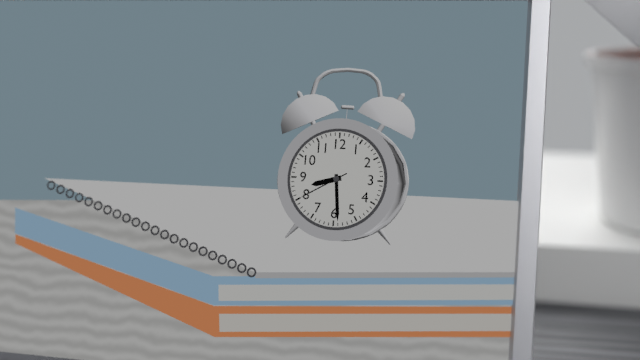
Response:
8h29m40s
